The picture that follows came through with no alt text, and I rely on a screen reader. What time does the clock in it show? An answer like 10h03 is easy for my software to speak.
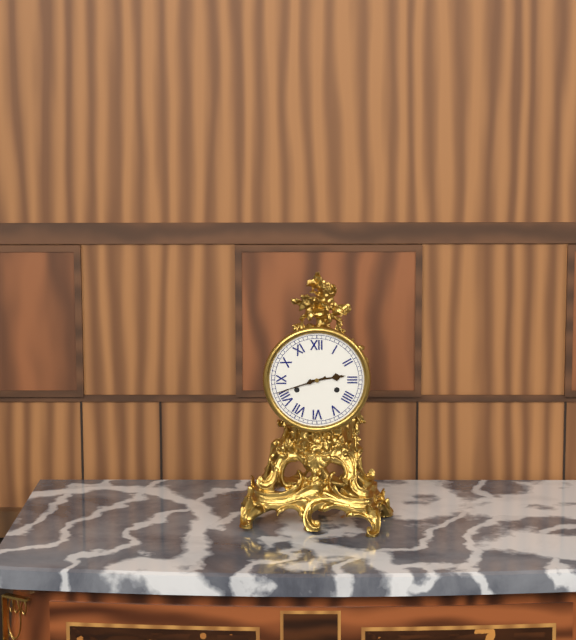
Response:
2h42
